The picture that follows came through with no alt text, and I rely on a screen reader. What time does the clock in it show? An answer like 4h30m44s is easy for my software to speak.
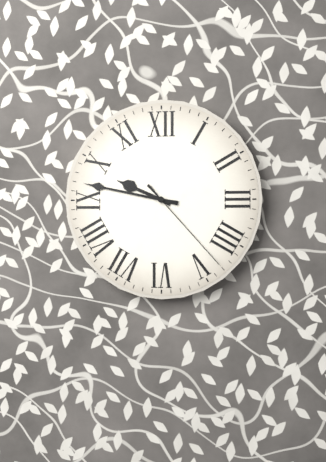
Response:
9h47m23s
